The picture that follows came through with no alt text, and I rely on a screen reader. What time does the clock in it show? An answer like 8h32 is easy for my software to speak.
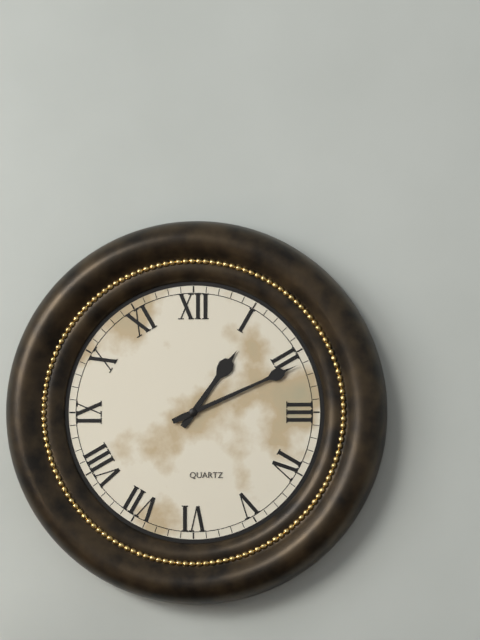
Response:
1h11
